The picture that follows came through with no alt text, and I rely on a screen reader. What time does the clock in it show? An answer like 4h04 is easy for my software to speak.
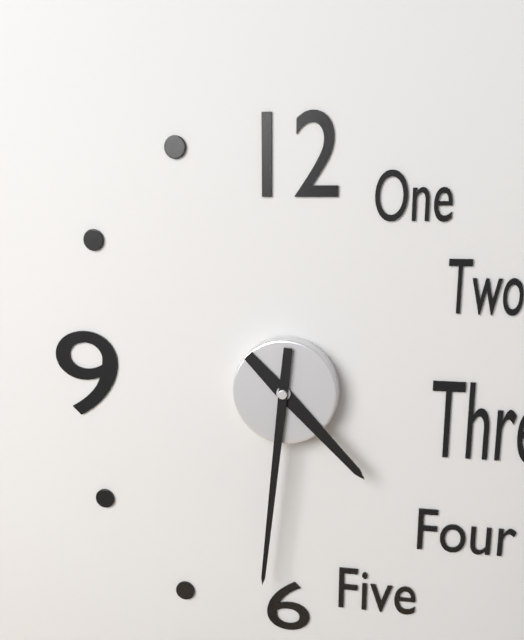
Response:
4h31
